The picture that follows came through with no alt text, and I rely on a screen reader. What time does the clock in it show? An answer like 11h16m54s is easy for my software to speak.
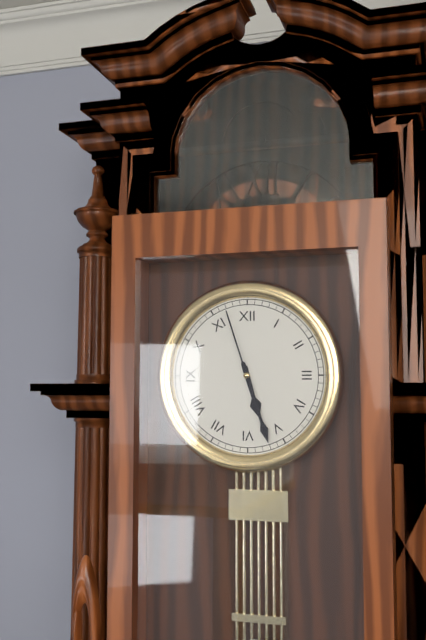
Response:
5h27m57s
